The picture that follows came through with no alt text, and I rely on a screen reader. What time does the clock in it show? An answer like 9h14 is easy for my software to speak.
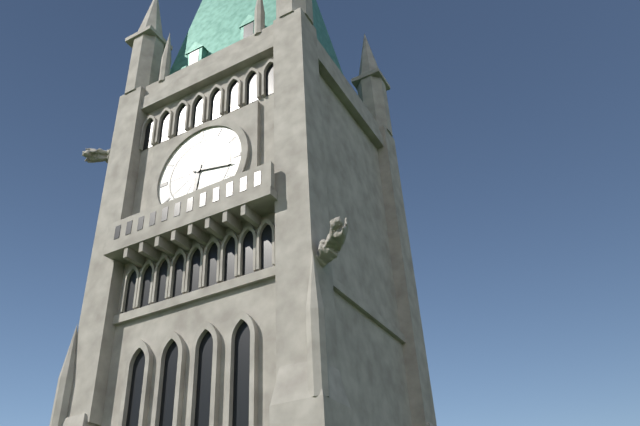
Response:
6h17
